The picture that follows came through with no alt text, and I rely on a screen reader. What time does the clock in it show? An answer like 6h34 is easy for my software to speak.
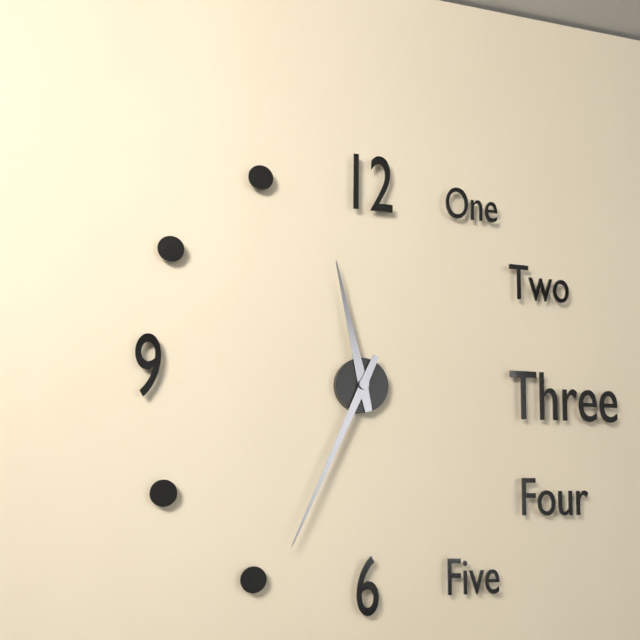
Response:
11h34
